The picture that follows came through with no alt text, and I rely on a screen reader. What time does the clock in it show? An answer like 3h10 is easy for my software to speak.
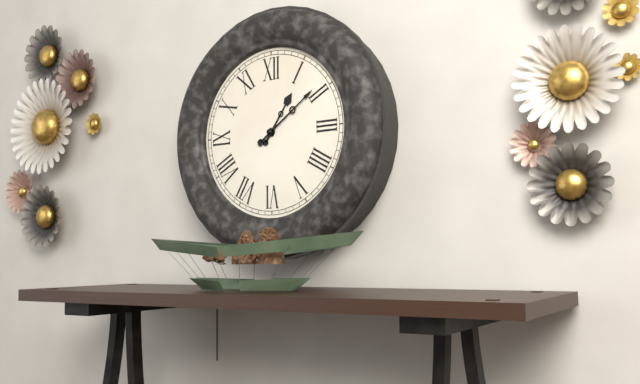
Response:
1h09
